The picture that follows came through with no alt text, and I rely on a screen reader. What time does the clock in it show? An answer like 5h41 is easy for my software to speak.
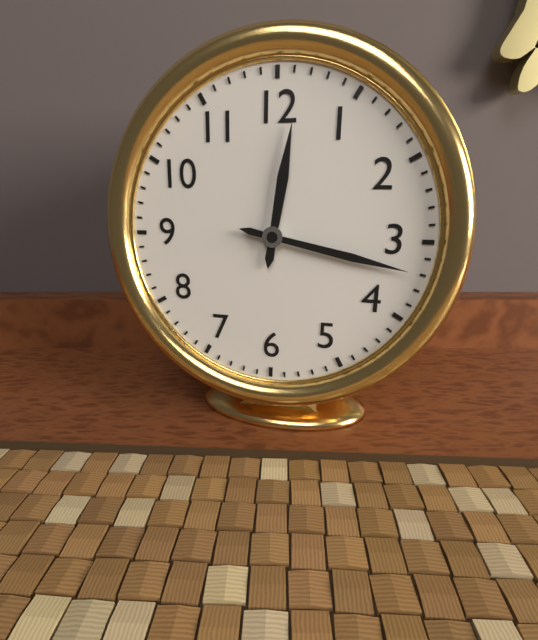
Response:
12h17
